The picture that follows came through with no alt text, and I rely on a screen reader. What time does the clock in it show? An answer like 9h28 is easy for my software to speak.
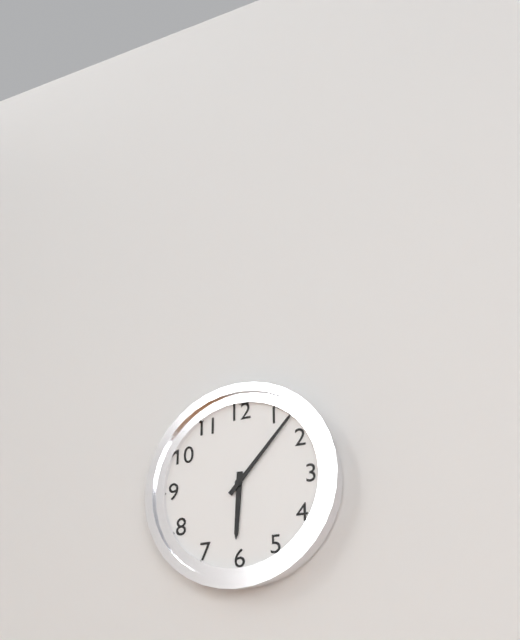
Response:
6h07
